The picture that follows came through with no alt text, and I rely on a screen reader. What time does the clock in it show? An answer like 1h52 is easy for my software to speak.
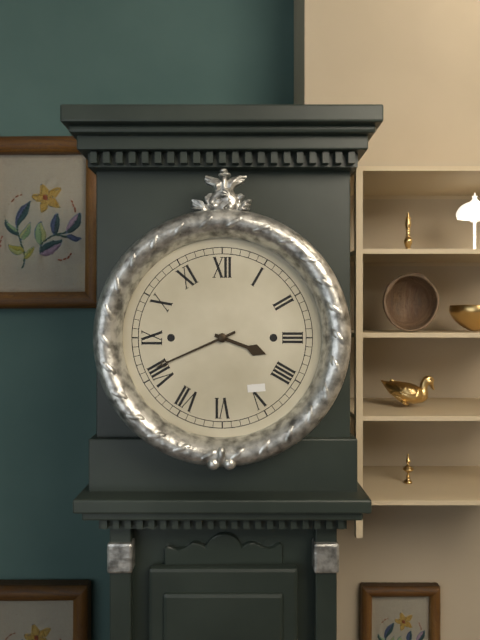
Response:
3h41
